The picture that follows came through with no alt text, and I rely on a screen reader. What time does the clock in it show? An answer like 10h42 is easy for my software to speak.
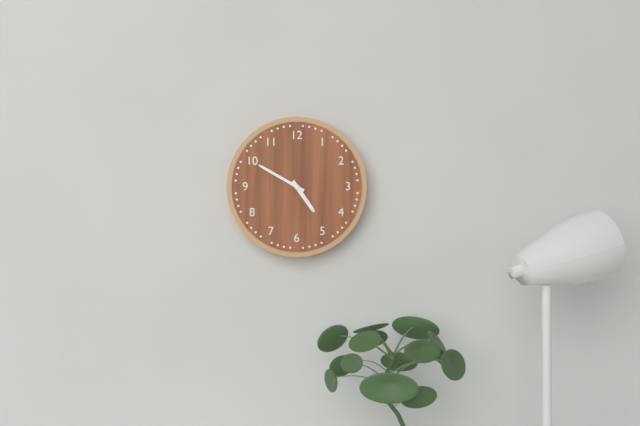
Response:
4h50
